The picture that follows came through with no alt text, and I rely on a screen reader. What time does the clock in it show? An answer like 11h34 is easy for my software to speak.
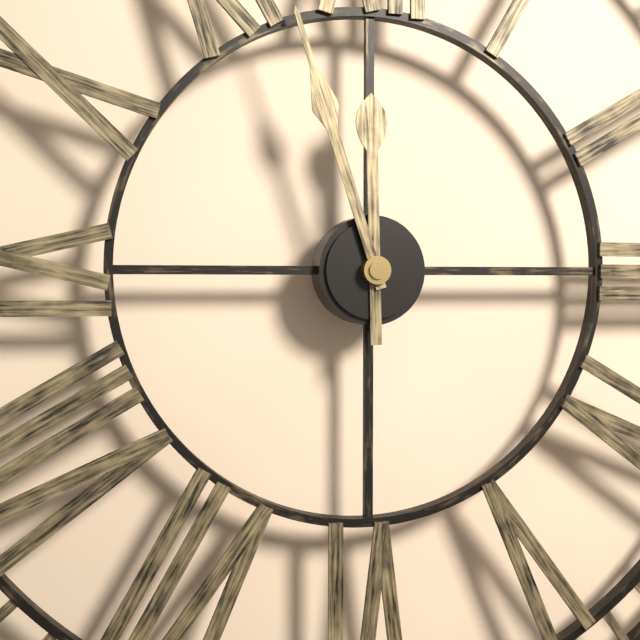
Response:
11h57
